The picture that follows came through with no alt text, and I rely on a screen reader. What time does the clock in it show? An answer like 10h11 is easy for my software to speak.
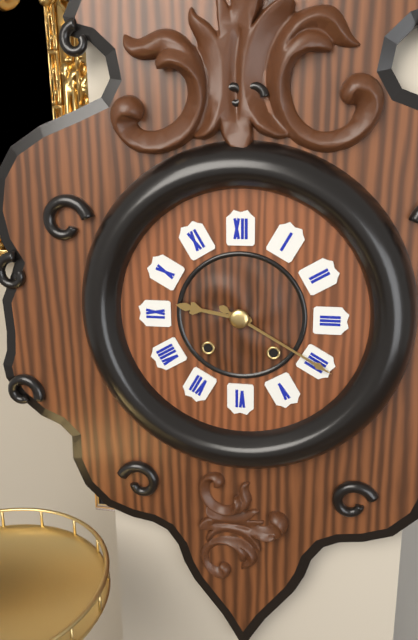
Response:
9h20
